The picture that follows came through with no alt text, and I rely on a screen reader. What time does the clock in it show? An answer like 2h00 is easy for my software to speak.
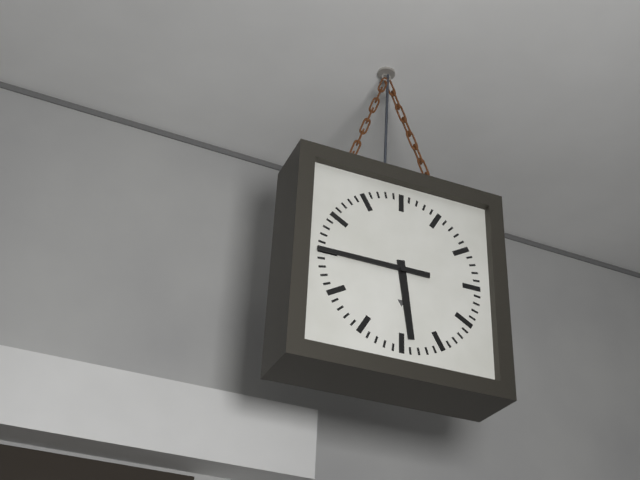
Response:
5h45
